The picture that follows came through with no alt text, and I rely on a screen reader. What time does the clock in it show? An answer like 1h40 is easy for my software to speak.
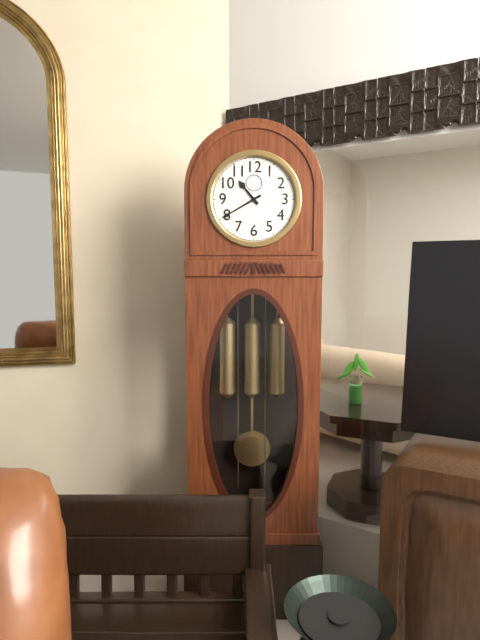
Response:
10h40
